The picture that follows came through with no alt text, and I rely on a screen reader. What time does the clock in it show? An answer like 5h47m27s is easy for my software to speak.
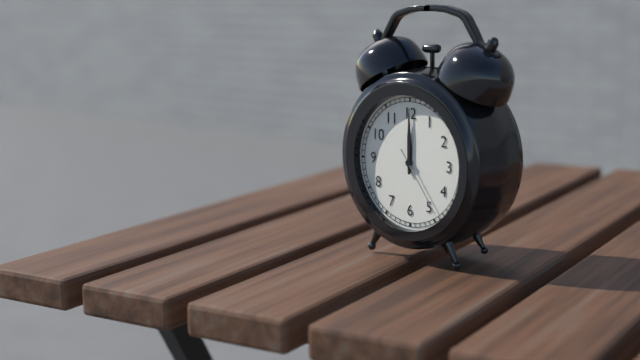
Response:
12h00m24s
